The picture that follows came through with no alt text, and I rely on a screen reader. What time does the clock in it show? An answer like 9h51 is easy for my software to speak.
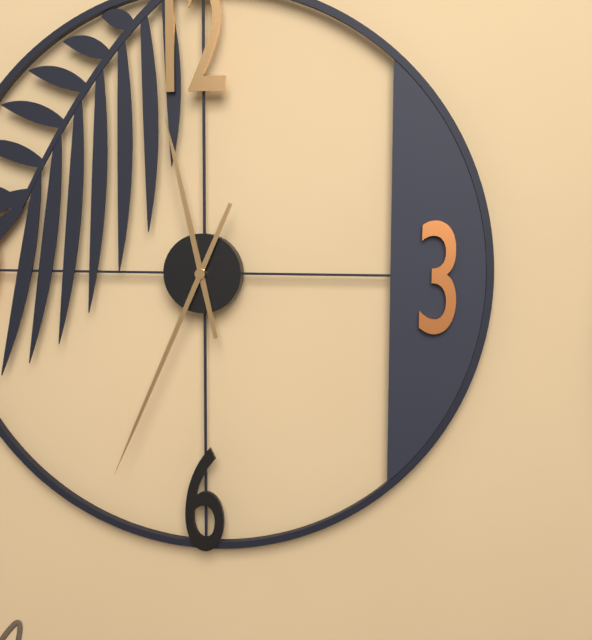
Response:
11h34
